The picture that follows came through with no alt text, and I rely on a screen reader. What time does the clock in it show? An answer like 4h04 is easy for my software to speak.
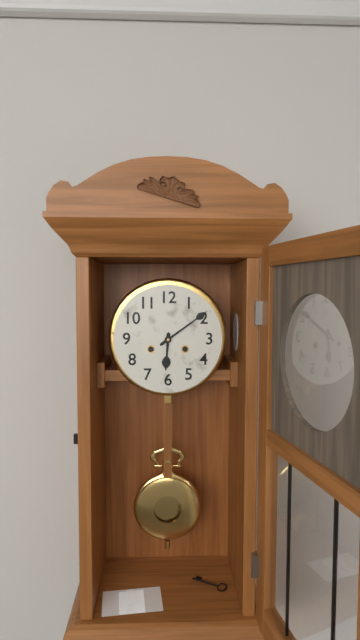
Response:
6h09
